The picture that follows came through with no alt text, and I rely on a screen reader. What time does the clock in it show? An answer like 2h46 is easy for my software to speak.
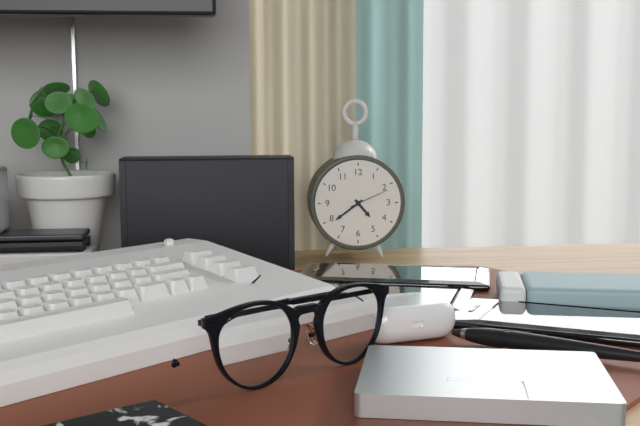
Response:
4h39
